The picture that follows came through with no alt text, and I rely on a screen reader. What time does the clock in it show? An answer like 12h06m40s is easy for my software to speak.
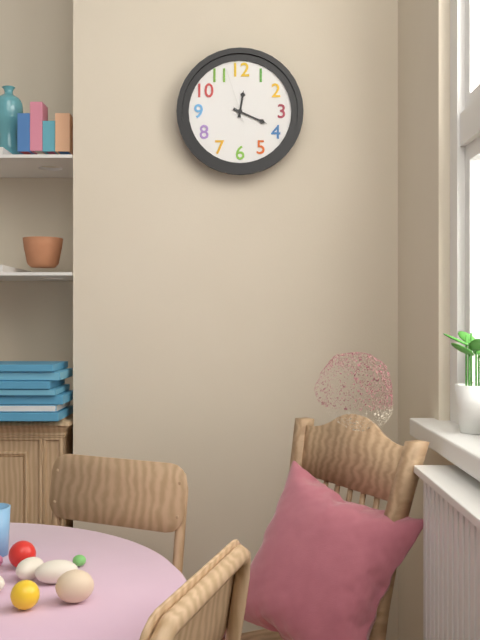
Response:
12h19m57s
